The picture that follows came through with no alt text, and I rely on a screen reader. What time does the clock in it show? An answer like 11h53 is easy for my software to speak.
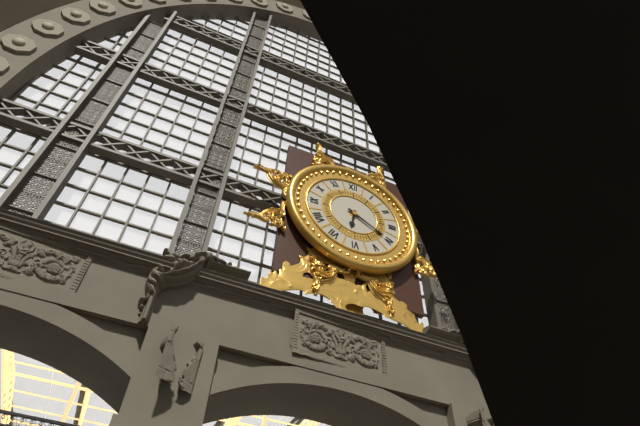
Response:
6h20
